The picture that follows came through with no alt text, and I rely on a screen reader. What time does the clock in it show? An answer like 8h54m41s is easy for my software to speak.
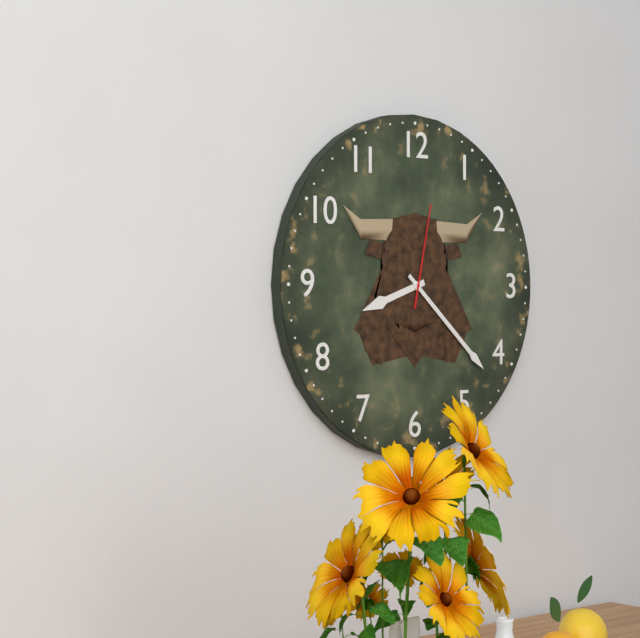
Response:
8h22m02s
